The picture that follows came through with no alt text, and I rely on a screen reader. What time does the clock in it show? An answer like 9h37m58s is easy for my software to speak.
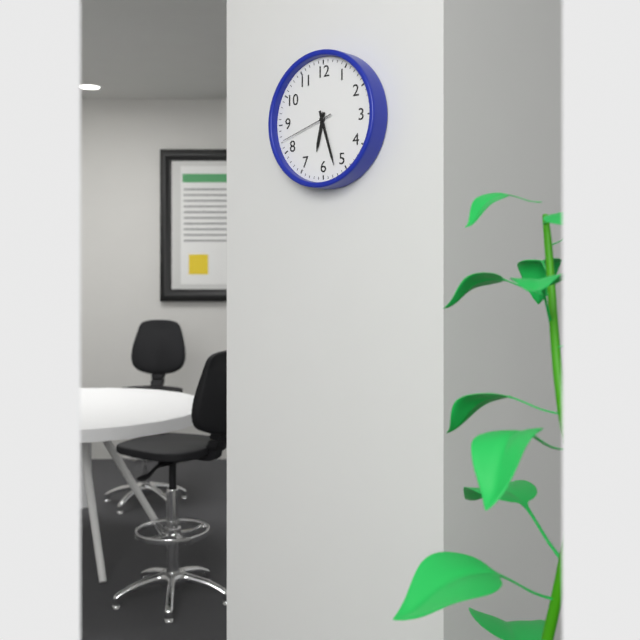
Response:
6h27m42s
